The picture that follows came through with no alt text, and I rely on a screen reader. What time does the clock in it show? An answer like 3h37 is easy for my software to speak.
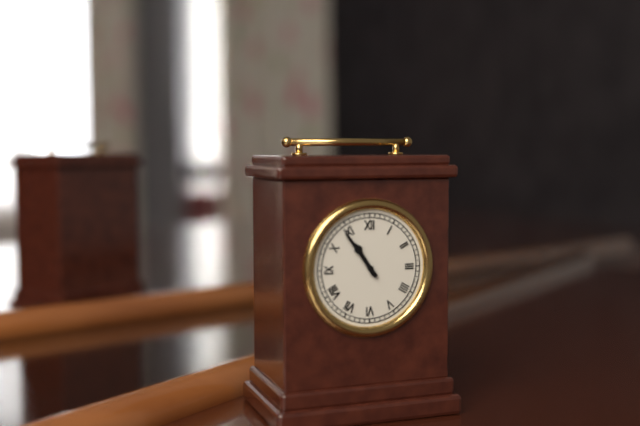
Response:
10h54
